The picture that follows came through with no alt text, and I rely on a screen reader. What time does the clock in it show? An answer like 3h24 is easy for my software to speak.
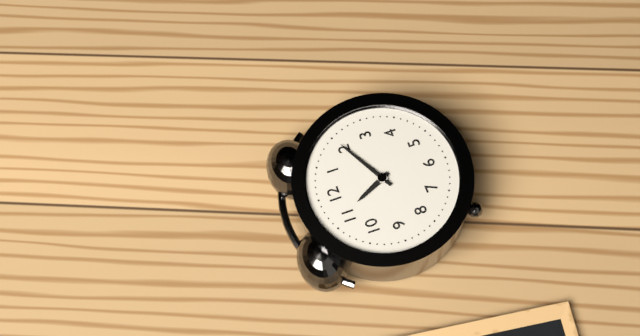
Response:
11h10
